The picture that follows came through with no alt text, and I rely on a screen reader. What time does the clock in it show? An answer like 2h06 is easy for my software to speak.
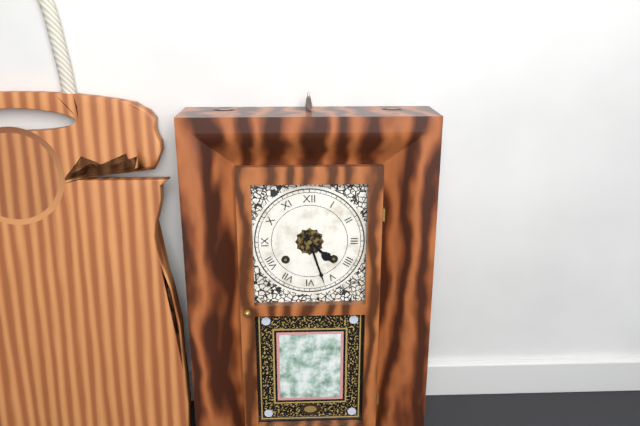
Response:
4h27
